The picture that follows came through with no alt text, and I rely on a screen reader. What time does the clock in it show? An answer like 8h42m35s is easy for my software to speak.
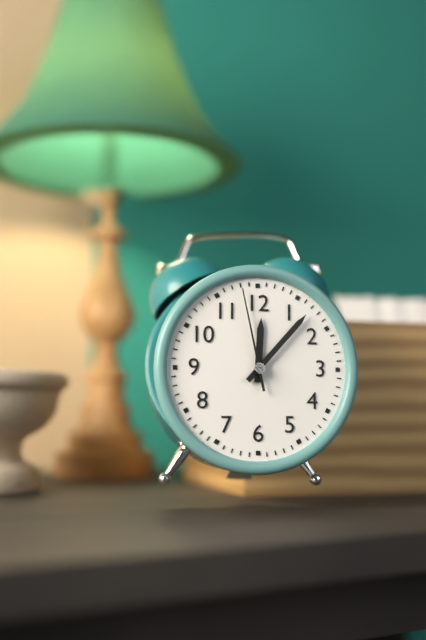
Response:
12h07m58s
